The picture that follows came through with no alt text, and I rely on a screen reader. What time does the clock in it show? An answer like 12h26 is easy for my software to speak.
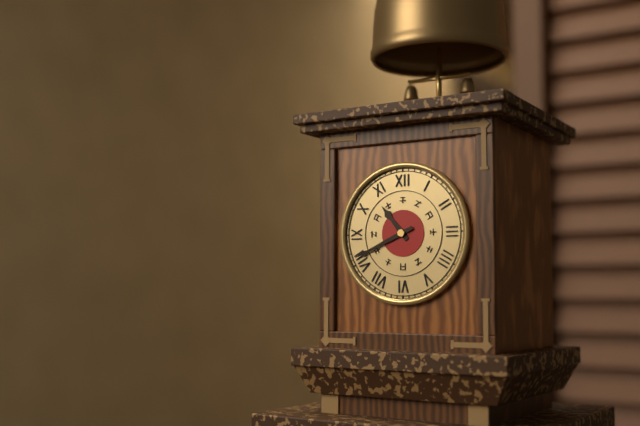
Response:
10h41
